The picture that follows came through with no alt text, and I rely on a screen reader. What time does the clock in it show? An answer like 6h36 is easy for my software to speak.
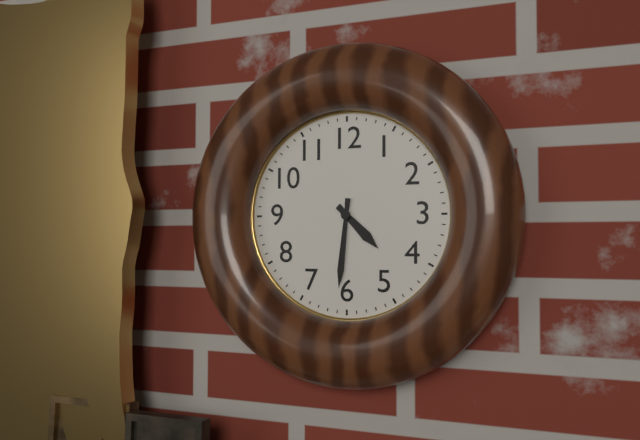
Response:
4h31
